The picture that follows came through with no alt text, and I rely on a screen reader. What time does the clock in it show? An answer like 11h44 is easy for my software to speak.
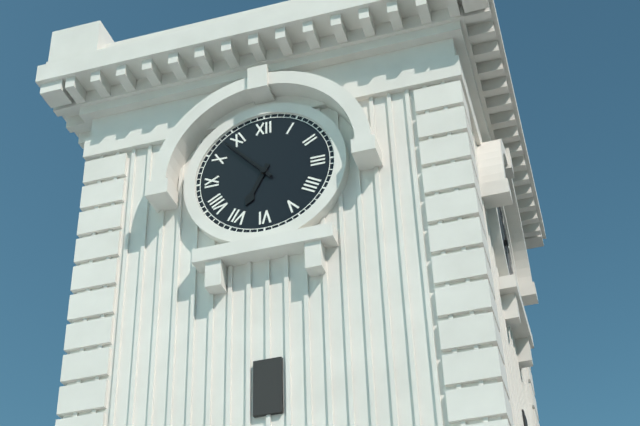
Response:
6h53
